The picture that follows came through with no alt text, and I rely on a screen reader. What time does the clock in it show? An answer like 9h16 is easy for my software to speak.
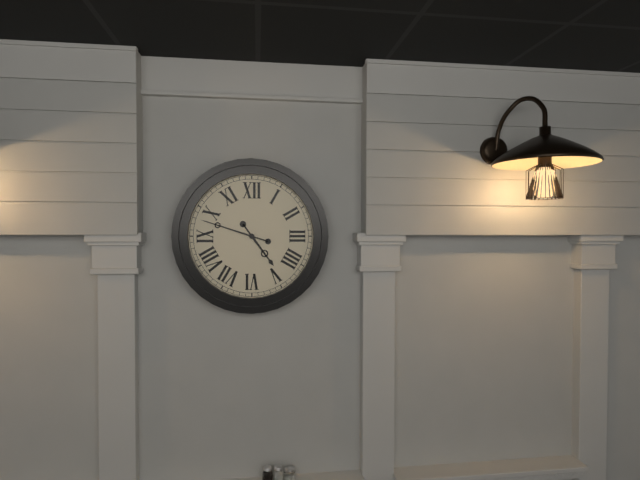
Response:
4h48
